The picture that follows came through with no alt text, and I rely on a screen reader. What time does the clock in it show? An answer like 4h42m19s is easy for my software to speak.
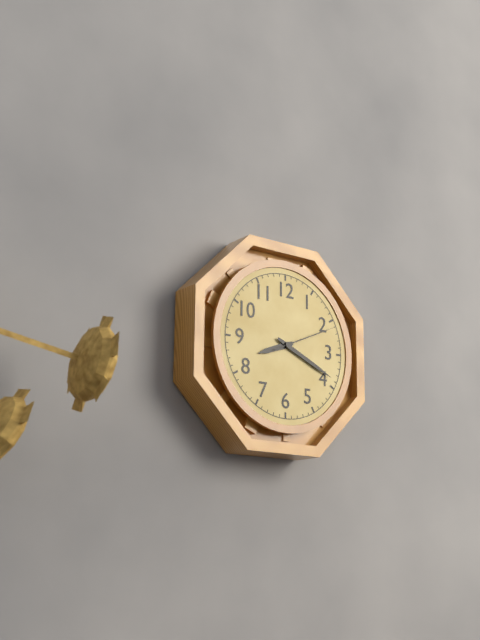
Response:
8h19m11s
